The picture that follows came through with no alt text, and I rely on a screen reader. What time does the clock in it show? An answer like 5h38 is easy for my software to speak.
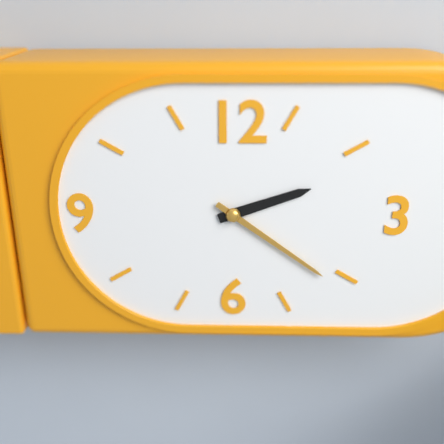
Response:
2h21
